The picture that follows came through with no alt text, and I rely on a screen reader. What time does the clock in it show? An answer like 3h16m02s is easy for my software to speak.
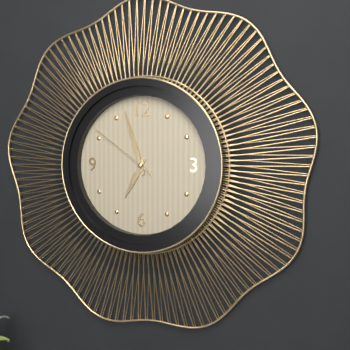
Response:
6h57m51s
